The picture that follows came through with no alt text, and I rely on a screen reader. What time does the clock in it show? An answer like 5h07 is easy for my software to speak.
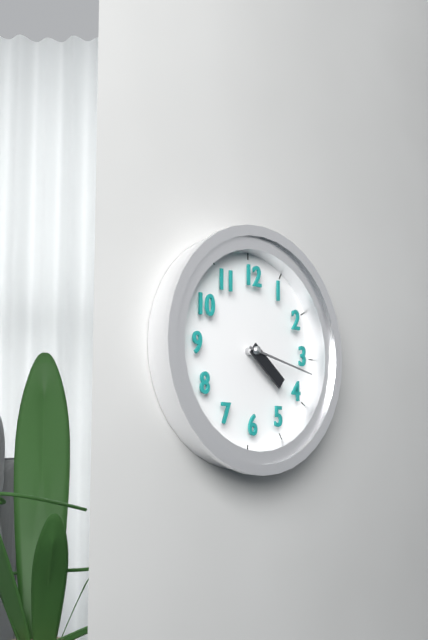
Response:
4h17
